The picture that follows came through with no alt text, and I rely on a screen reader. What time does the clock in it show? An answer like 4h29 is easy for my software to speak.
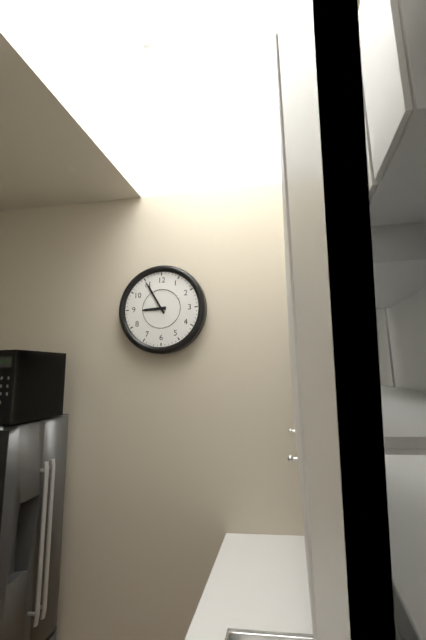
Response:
8h55
